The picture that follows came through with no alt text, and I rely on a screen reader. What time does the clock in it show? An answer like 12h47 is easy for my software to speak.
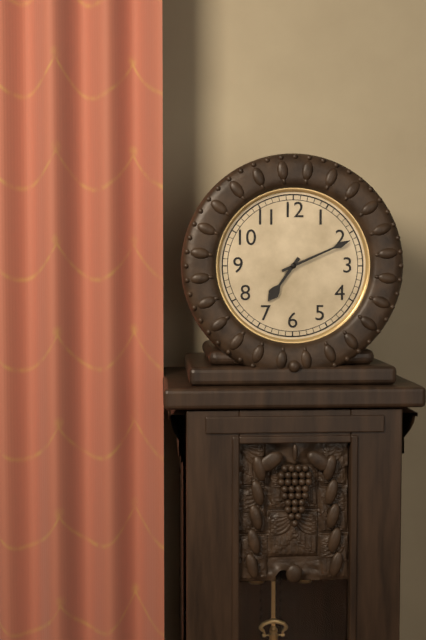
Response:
7h11
